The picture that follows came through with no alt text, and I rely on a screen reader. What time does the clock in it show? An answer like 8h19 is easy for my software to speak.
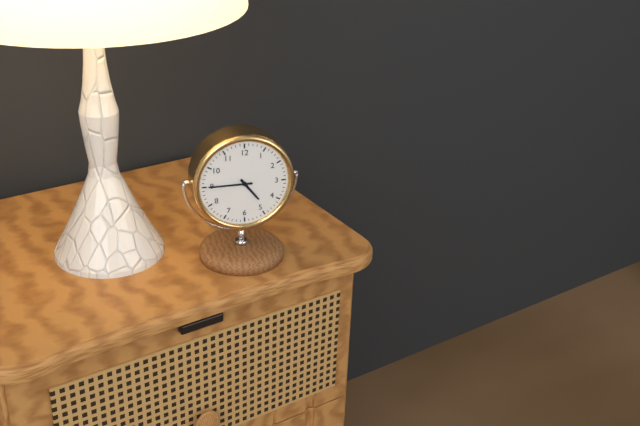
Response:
4h45
